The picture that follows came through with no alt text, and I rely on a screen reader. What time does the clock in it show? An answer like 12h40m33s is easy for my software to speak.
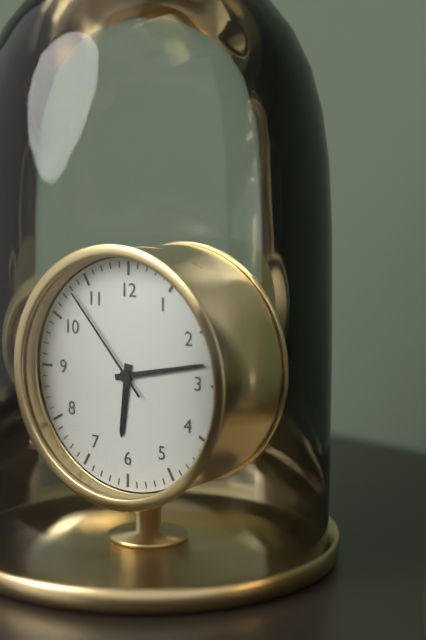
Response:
6h13m53s
